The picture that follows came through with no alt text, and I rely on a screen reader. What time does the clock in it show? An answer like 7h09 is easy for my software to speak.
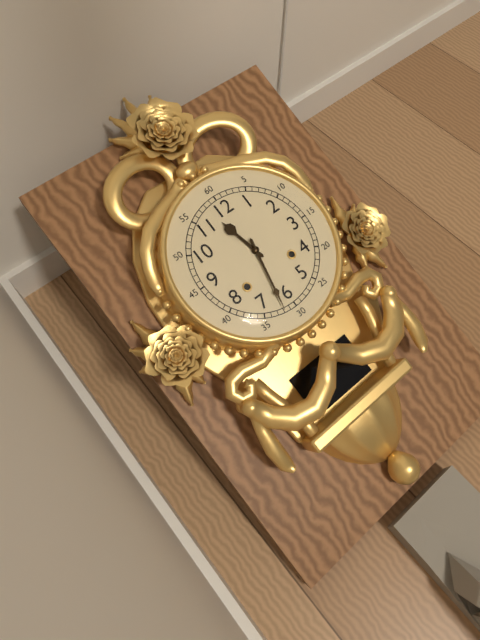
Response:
11h32
